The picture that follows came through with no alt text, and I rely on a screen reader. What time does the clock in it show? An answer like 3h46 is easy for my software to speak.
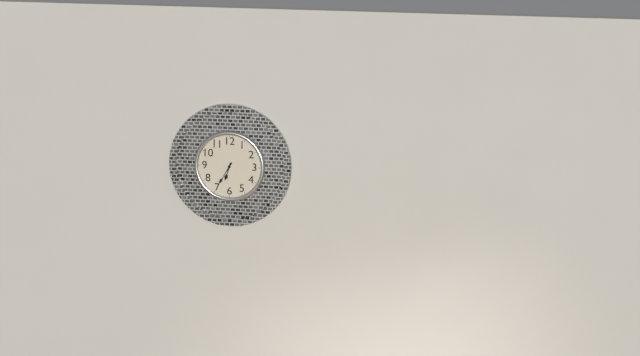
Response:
6h35
